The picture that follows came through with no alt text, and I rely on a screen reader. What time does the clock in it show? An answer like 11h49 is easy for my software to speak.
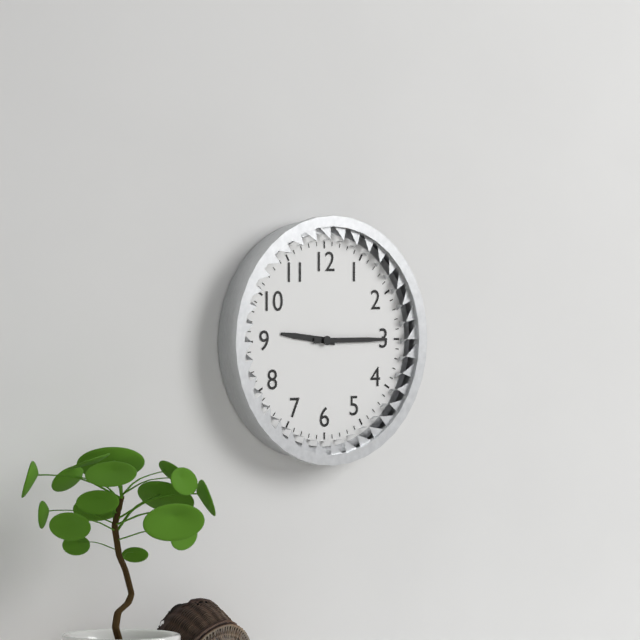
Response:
9h15
